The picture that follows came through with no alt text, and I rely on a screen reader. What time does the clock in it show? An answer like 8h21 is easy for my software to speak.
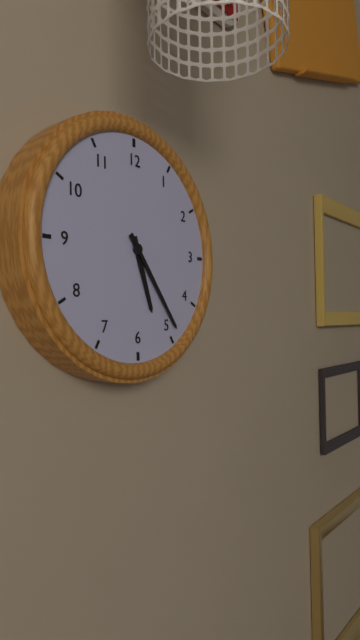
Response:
5h24
